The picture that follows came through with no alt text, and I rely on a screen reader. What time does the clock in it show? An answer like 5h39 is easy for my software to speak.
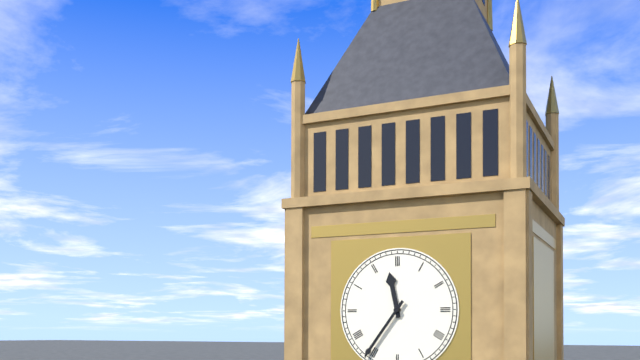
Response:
11h36
